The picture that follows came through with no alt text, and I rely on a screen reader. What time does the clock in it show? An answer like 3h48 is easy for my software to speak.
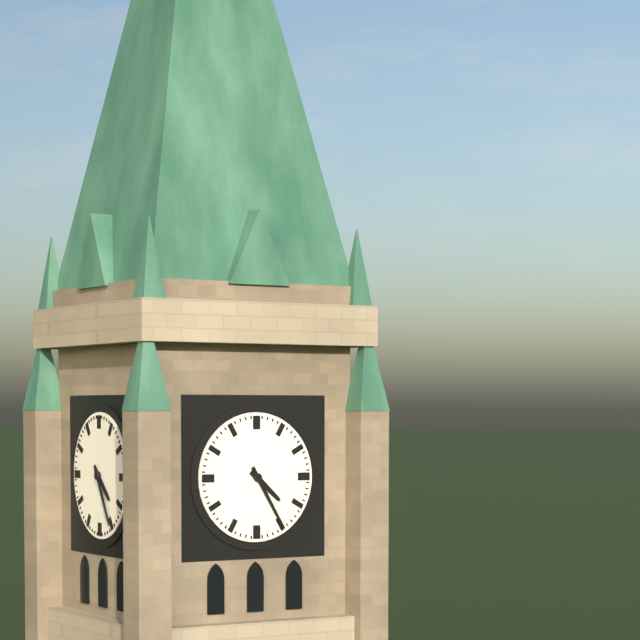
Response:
4h25
